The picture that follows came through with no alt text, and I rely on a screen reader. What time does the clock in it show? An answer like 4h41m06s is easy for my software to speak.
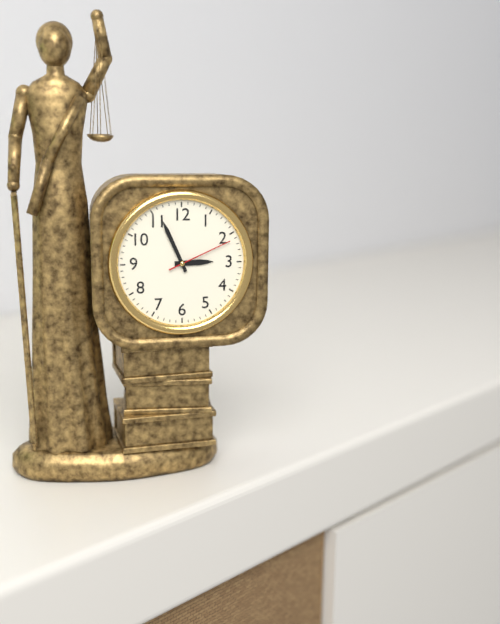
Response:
2h56m11s
